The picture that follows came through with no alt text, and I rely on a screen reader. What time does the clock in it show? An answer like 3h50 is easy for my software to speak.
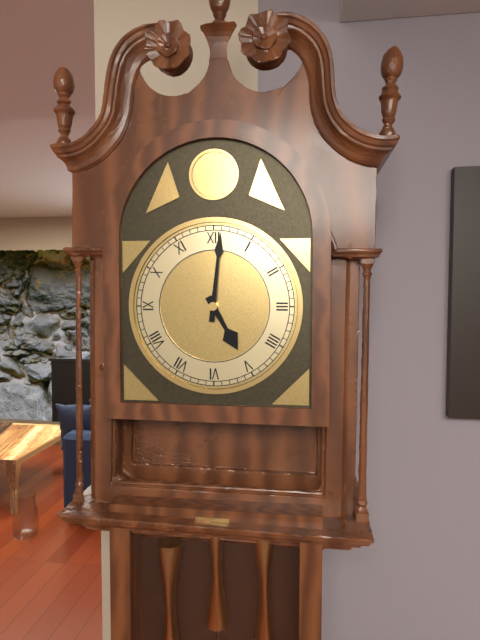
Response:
5h01
